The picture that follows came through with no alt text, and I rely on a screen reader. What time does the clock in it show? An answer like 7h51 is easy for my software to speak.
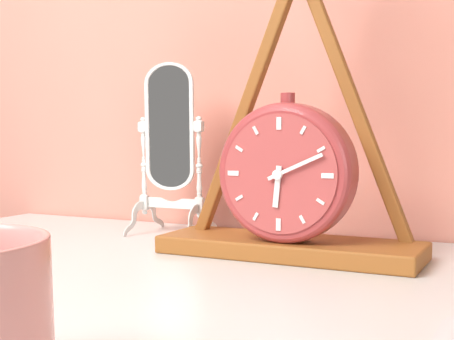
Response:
6h11
